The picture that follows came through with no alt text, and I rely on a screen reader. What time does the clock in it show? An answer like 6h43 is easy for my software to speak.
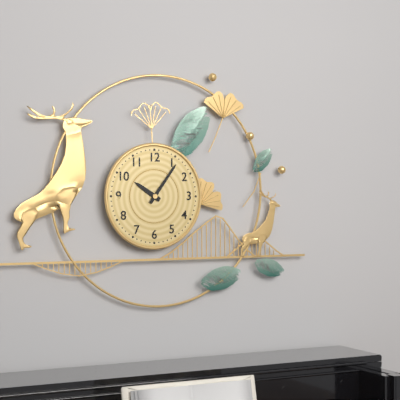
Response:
10h06
